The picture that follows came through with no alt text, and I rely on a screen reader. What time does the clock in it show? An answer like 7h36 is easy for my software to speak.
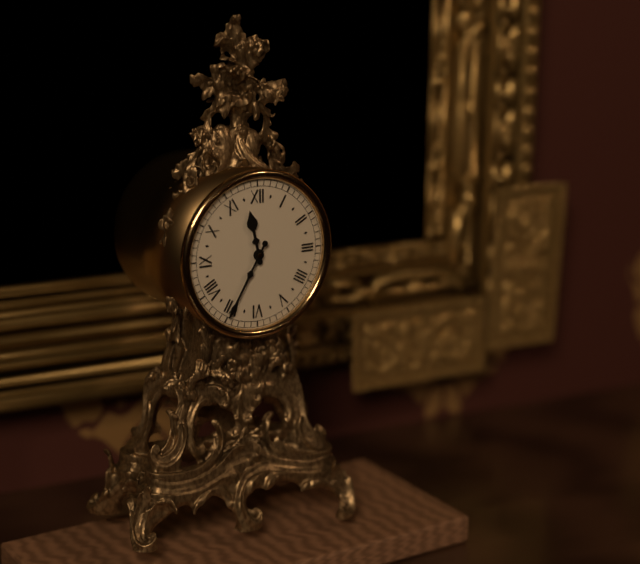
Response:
11h35
